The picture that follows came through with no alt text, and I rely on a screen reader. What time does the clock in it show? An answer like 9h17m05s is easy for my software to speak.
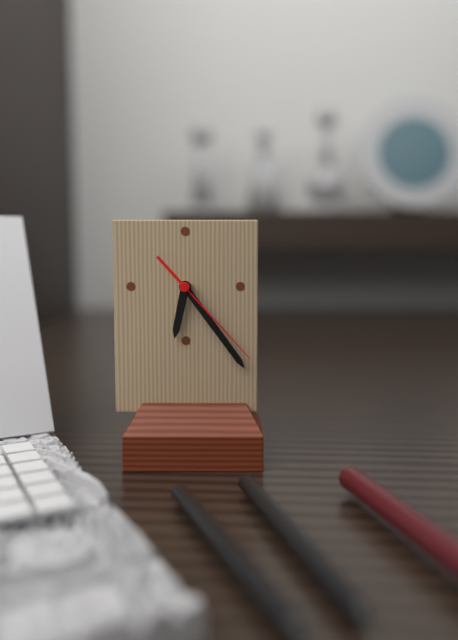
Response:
6h24m23s
